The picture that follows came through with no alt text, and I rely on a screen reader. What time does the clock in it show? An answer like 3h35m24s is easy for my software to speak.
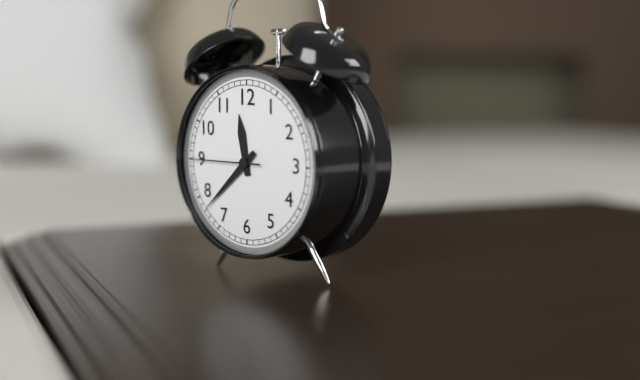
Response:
11h38m45s
